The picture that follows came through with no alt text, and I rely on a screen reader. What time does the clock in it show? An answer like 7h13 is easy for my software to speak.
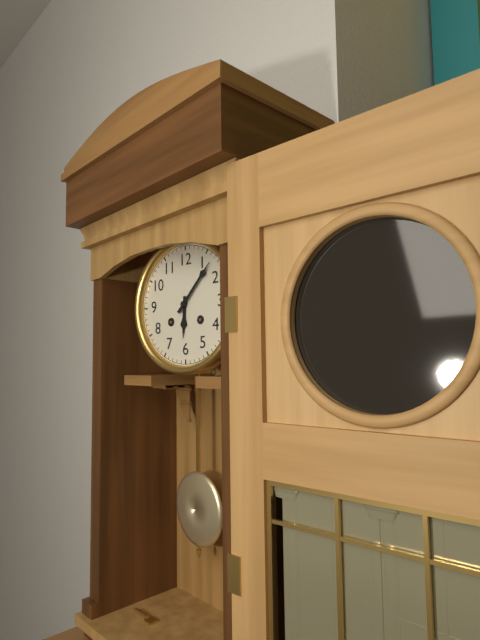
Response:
6h07
